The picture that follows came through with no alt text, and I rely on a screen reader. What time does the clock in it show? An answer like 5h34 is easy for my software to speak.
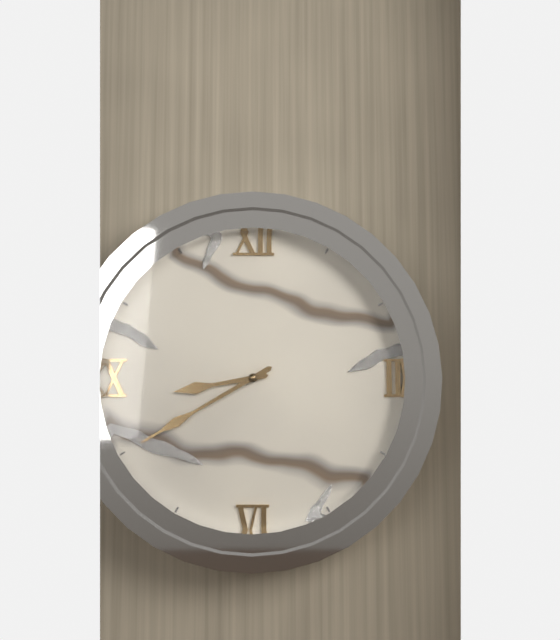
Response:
8h40
